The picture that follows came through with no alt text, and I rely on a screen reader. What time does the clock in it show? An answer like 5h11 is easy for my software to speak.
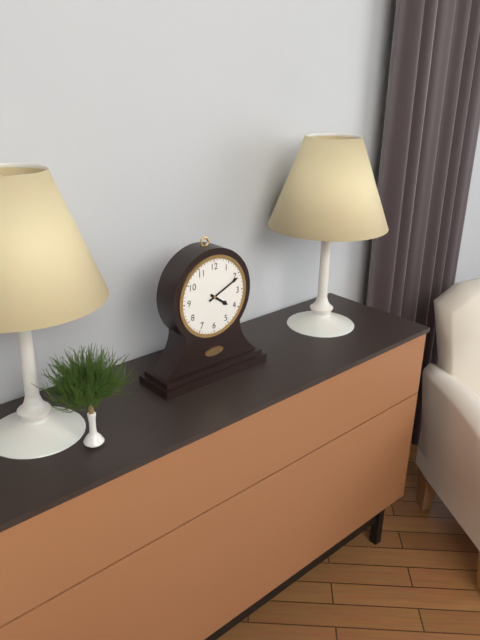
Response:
4h11
